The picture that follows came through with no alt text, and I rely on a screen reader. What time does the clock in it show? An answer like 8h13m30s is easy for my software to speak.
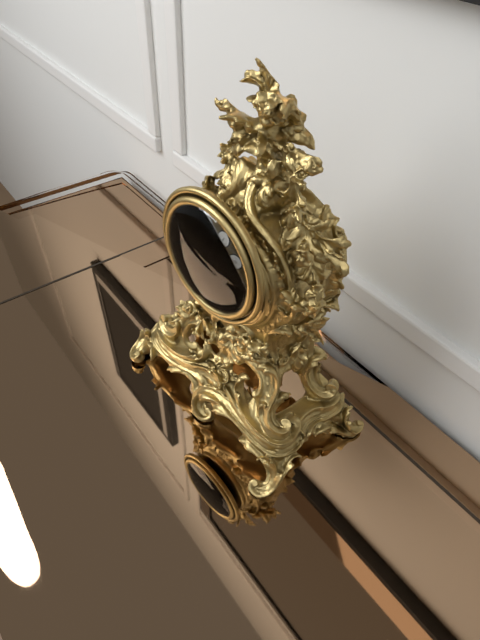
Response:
3h26m27s
